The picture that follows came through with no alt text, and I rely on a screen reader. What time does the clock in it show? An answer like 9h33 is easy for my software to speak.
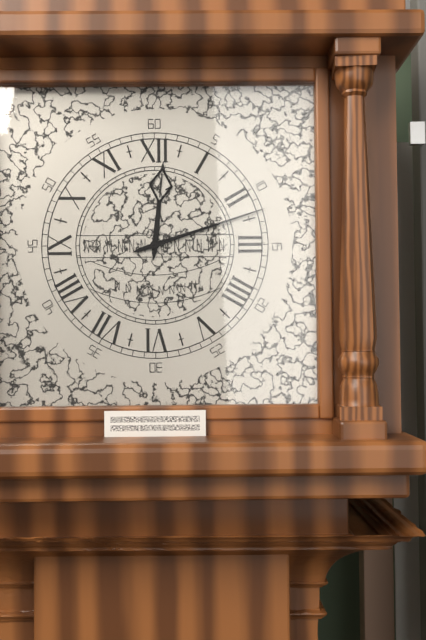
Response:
12h12
